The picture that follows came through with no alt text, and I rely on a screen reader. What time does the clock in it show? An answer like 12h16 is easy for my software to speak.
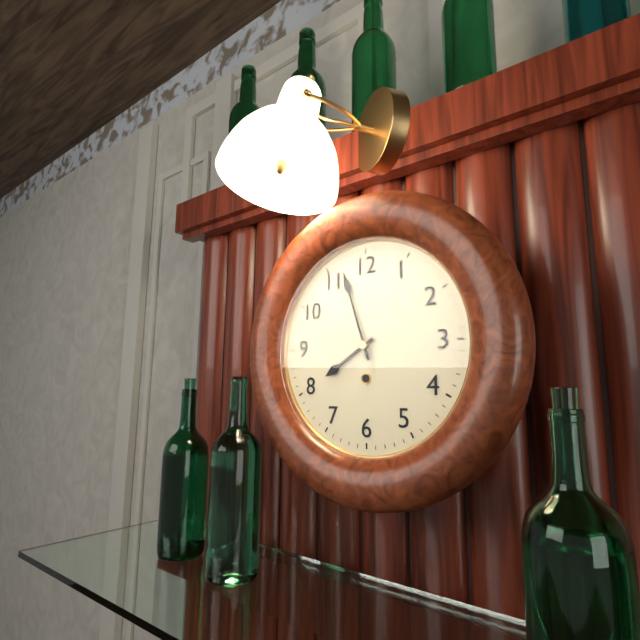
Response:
7h57
